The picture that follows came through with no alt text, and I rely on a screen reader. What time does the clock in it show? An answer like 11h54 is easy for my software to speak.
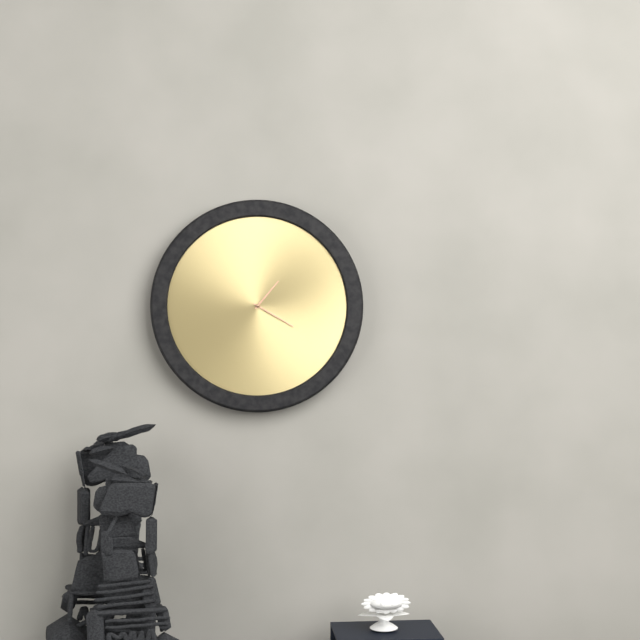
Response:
1h20
